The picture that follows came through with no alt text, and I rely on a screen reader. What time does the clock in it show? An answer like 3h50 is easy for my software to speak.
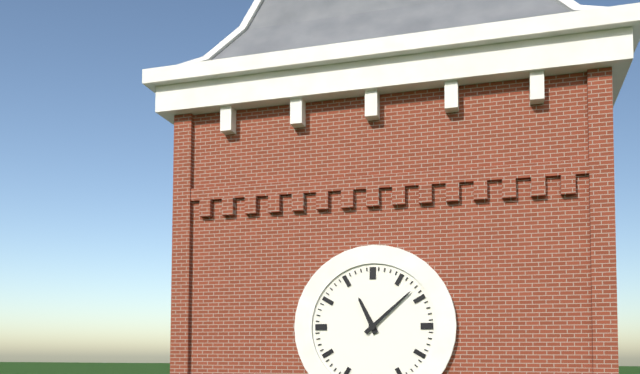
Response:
11h08
